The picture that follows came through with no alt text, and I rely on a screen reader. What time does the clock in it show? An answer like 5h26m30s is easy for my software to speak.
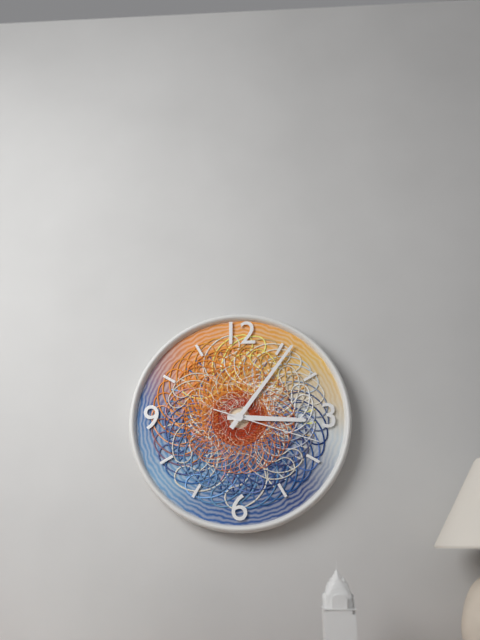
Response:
3h06m18s
